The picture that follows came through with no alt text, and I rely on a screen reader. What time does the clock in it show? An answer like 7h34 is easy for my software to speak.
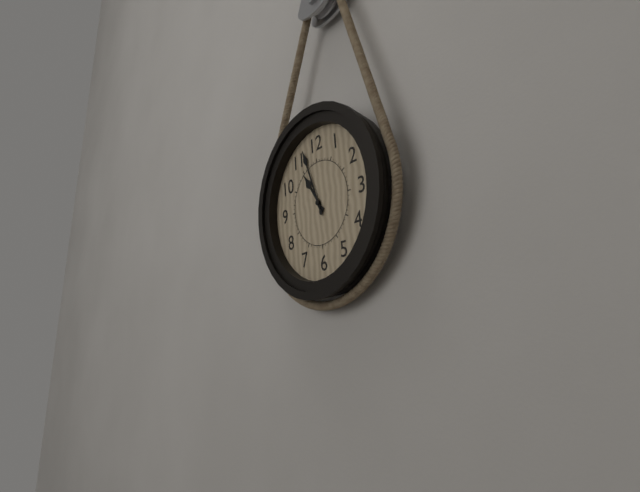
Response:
10h57
